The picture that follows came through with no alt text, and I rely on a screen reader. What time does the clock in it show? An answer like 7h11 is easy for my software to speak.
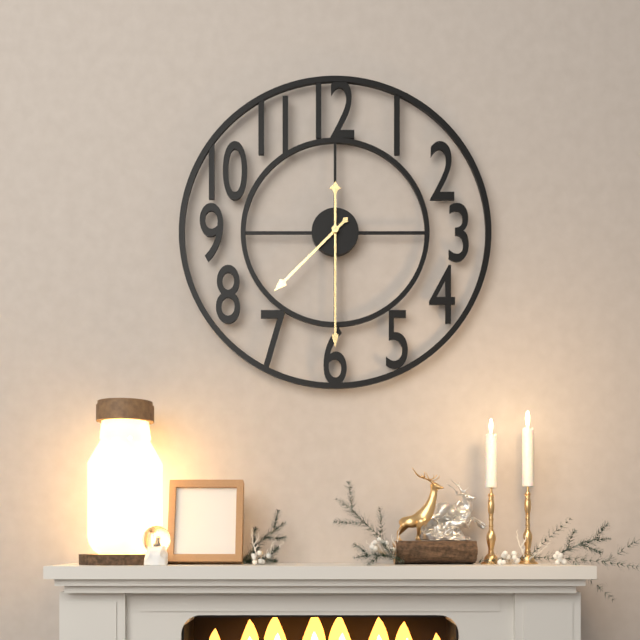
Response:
7h30
